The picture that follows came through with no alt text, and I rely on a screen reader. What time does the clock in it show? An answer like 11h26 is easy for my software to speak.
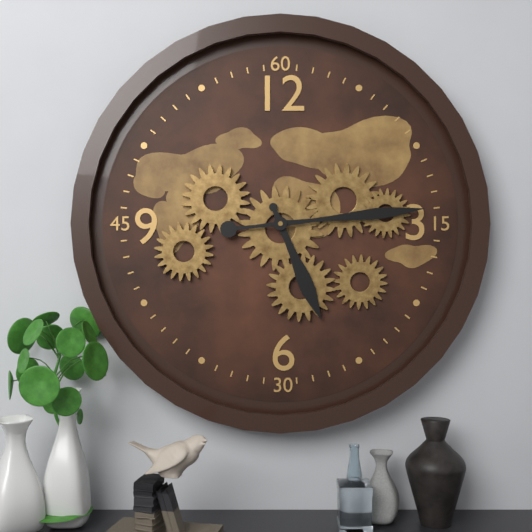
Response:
5h14
